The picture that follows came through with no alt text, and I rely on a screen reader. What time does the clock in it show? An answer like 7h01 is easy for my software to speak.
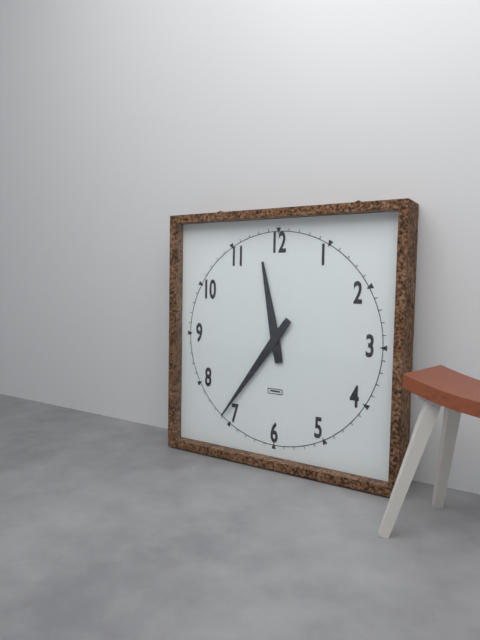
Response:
11h36
